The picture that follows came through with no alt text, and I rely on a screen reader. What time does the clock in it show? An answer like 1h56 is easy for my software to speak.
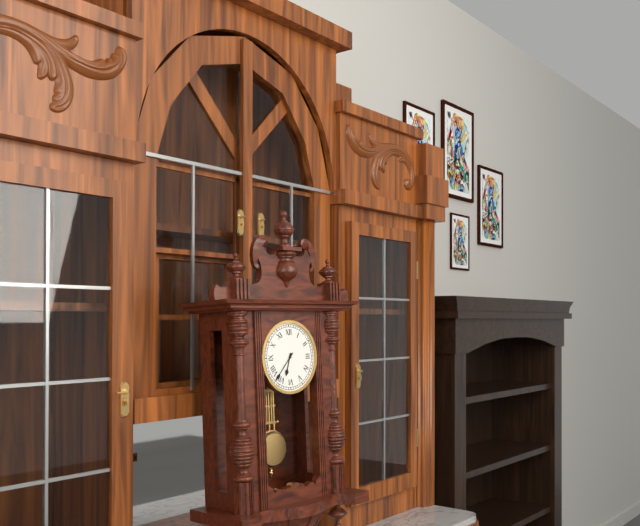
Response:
6h37
